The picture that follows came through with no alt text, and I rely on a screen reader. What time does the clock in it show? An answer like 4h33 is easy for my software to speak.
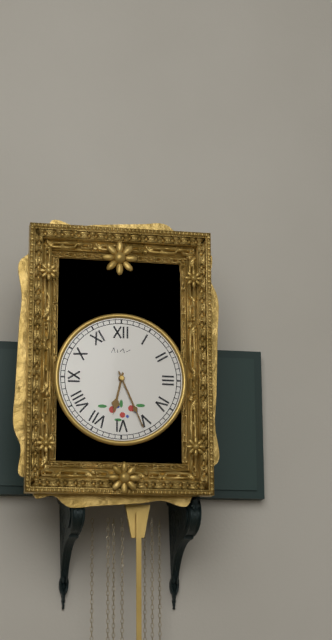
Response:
6h26
